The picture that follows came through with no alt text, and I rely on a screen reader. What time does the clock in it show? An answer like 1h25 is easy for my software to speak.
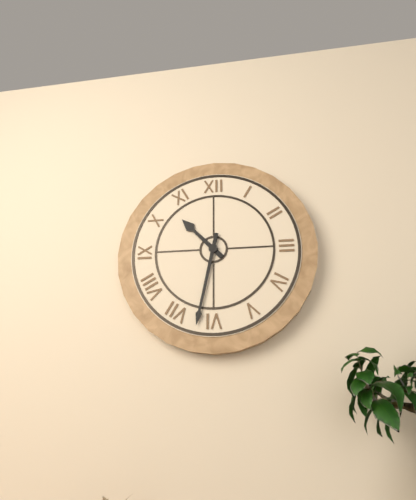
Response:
10h32
